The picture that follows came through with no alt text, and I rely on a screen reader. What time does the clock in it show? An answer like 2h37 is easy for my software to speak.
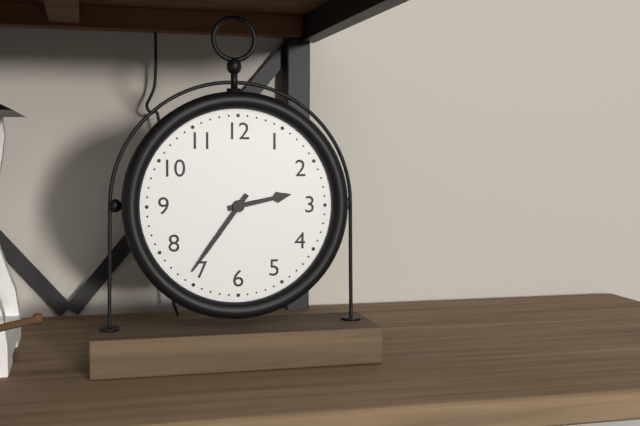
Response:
2h36
